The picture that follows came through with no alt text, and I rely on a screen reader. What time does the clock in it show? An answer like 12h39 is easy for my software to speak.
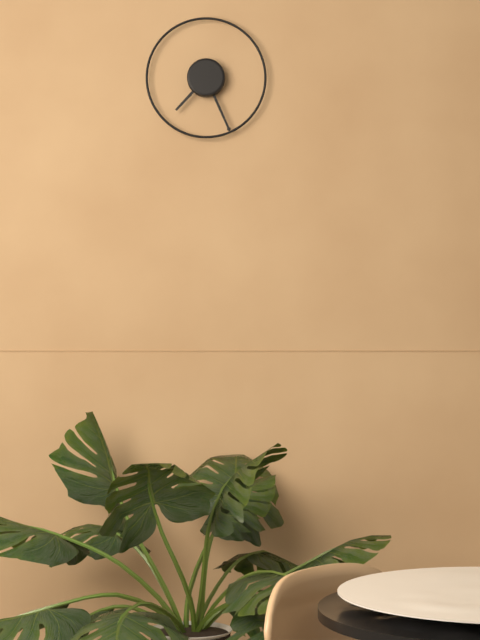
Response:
7h26
